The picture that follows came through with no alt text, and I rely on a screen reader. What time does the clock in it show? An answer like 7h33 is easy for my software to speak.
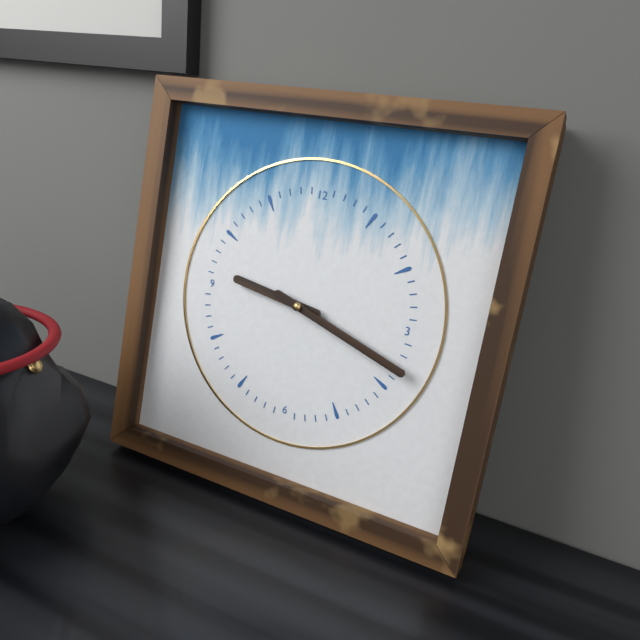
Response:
9h18
